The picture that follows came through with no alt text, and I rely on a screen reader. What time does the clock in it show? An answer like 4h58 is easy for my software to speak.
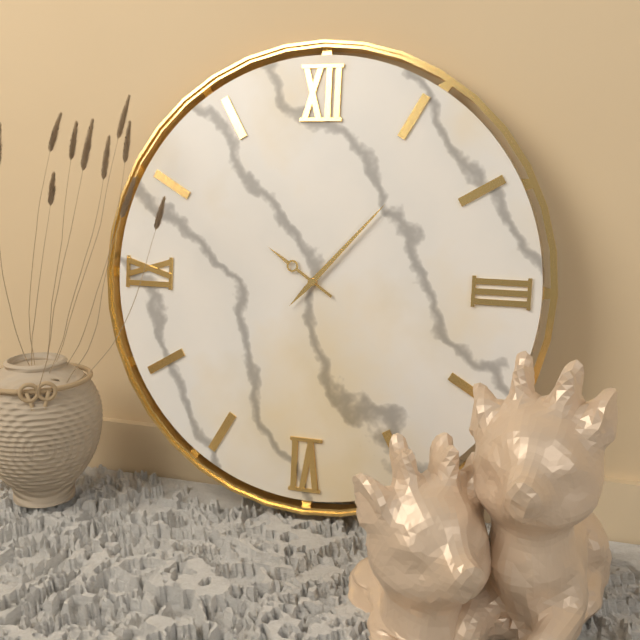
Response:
10h07
